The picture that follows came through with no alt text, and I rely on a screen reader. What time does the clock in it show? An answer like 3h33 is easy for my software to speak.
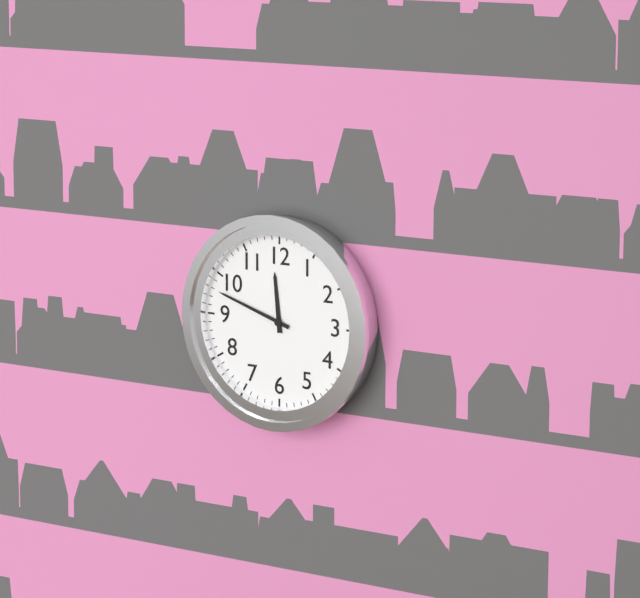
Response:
11h48
